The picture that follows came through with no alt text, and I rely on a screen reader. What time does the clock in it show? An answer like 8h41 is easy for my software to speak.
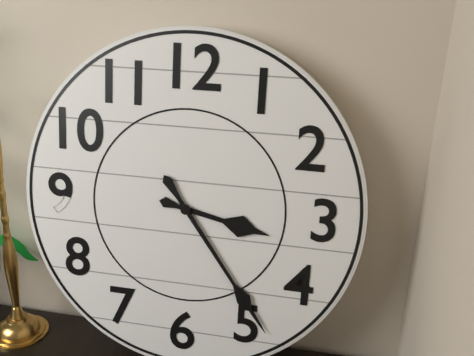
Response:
3h24
